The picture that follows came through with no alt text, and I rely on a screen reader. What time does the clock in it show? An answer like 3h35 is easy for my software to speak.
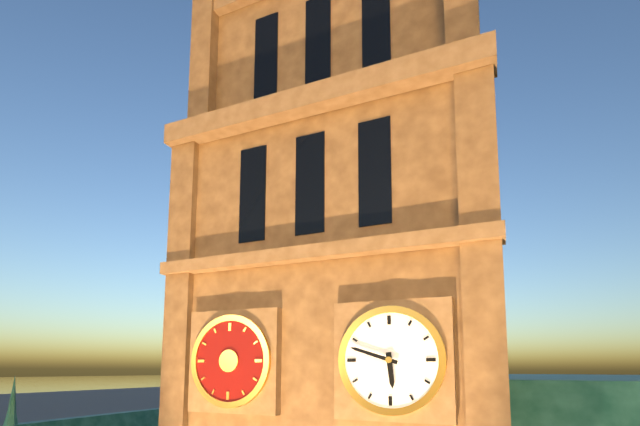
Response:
5h48
